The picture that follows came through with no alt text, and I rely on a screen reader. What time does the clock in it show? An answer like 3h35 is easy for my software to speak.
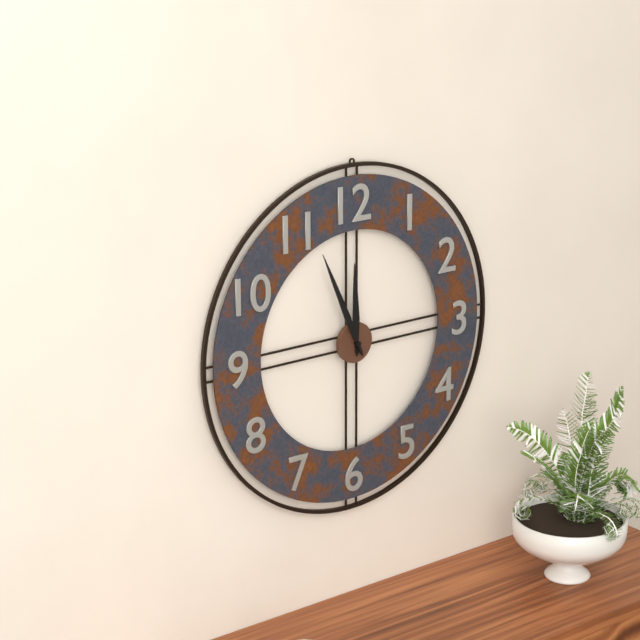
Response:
11h56
